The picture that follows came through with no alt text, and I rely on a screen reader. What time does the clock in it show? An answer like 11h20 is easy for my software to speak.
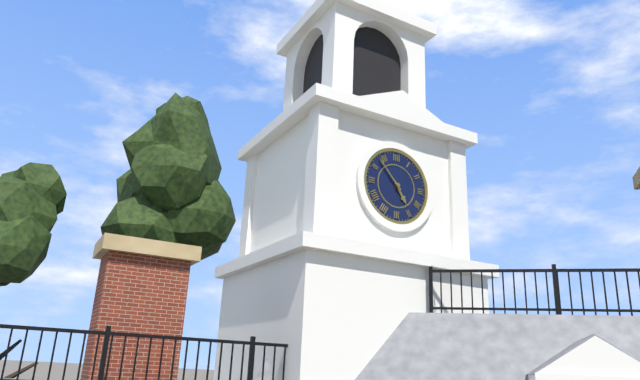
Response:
4h53
